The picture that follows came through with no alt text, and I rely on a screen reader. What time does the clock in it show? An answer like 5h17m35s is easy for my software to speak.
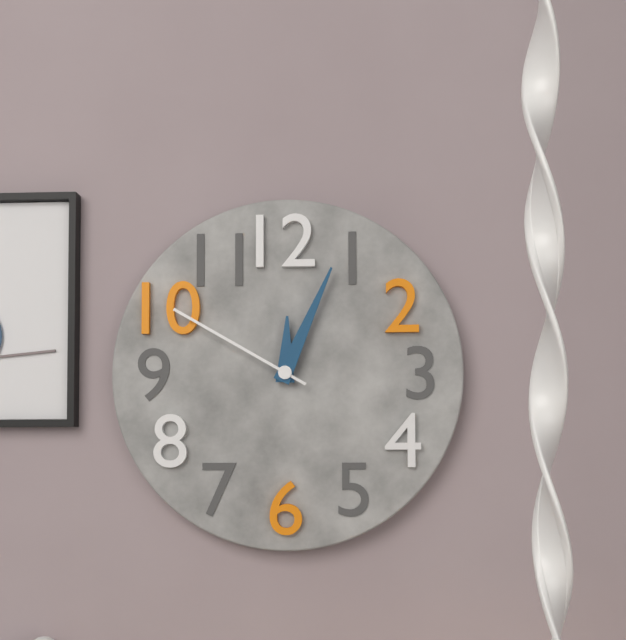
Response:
12h04m50s
